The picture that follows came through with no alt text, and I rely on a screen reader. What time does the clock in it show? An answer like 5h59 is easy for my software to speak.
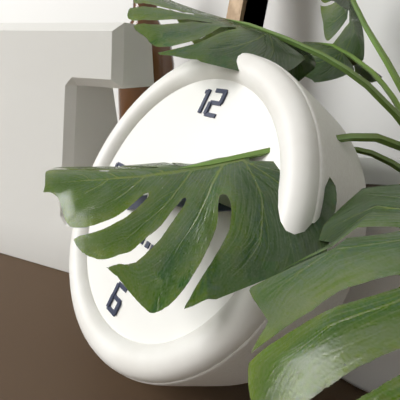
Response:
8h13
